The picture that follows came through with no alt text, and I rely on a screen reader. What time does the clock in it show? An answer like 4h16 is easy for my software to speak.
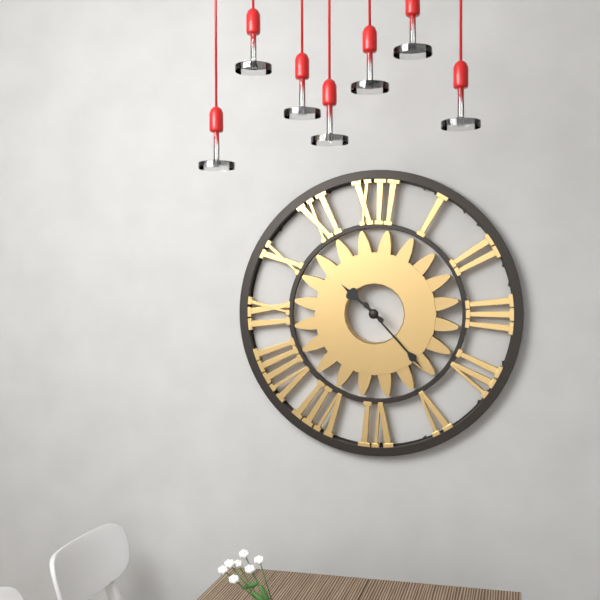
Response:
10h23
